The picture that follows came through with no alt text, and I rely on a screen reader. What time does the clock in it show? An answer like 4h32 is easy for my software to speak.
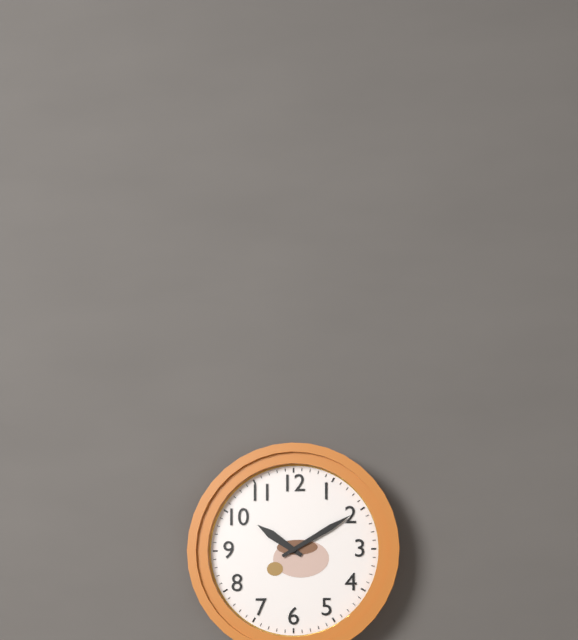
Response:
10h10
